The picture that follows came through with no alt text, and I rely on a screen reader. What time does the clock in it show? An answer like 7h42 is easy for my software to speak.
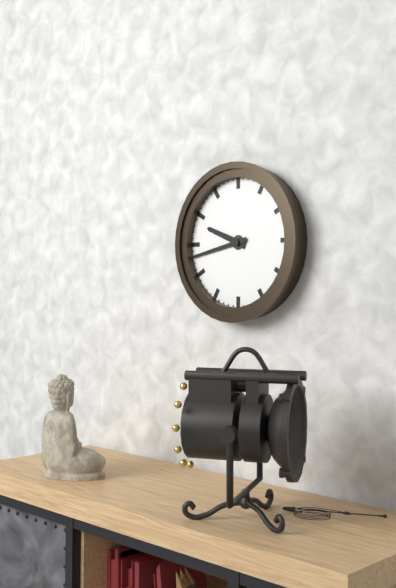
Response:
9h43
